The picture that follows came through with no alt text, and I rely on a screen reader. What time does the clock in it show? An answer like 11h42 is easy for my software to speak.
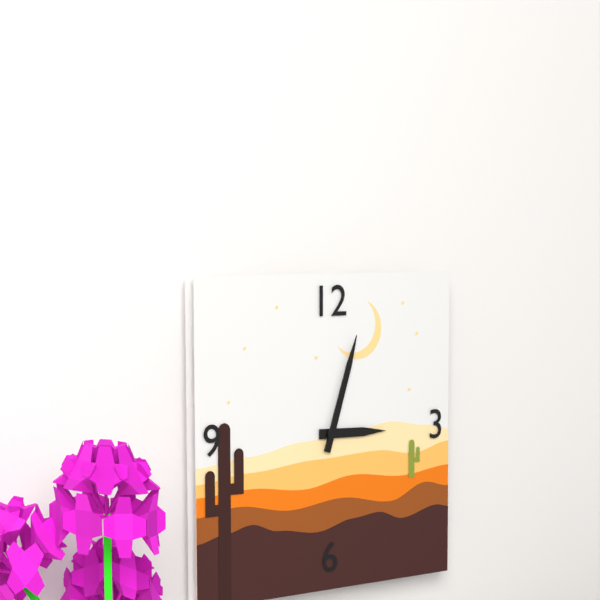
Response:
3h03
